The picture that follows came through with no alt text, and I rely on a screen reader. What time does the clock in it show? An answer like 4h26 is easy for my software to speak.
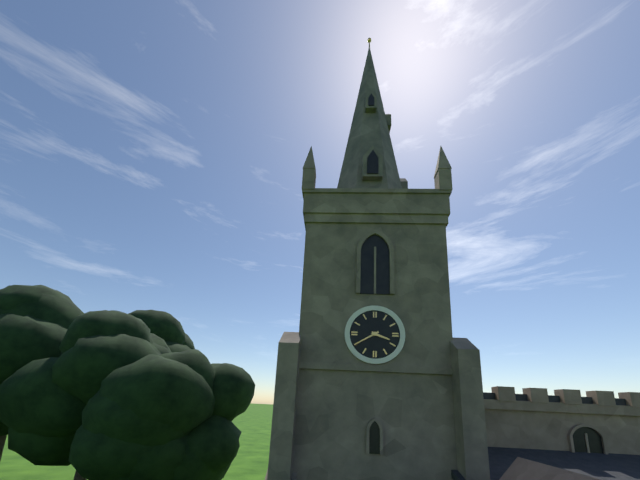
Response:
3h40
